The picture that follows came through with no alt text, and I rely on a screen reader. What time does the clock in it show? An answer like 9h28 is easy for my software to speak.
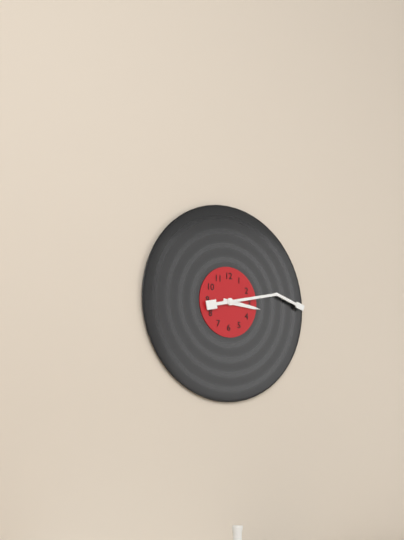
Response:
3h13
